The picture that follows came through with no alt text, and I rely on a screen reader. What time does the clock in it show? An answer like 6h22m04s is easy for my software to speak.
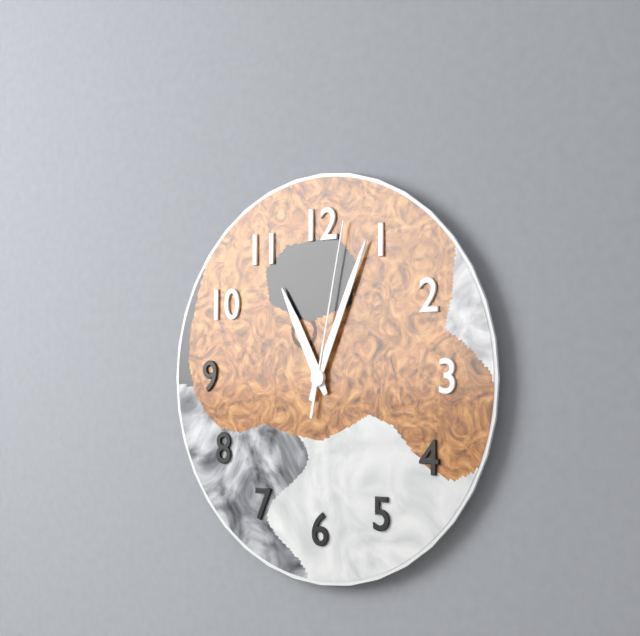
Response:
11h04m02s
